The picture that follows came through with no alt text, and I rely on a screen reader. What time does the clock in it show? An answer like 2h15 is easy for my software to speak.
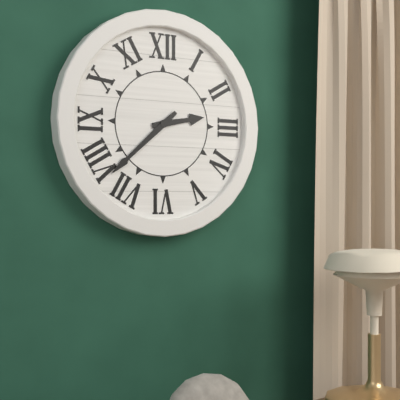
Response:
2h38
